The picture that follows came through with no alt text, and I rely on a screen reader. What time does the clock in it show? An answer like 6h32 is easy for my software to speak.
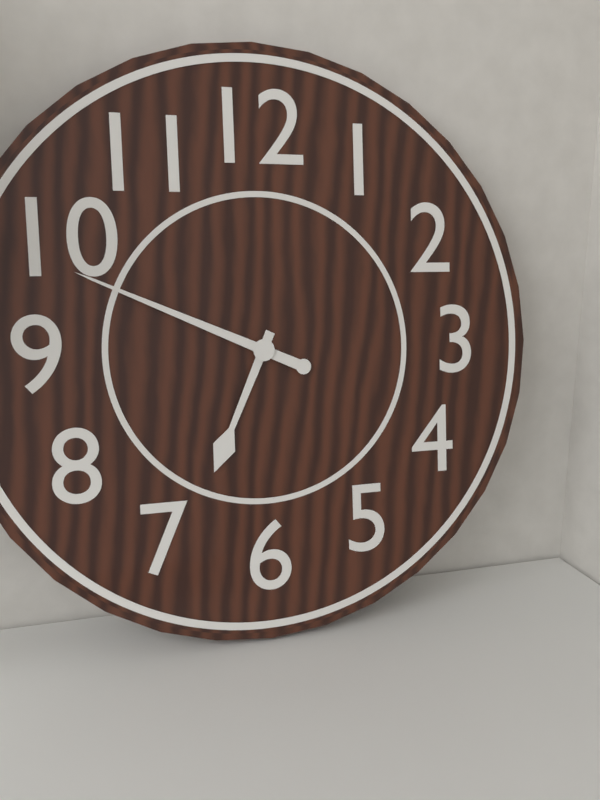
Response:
6h49
